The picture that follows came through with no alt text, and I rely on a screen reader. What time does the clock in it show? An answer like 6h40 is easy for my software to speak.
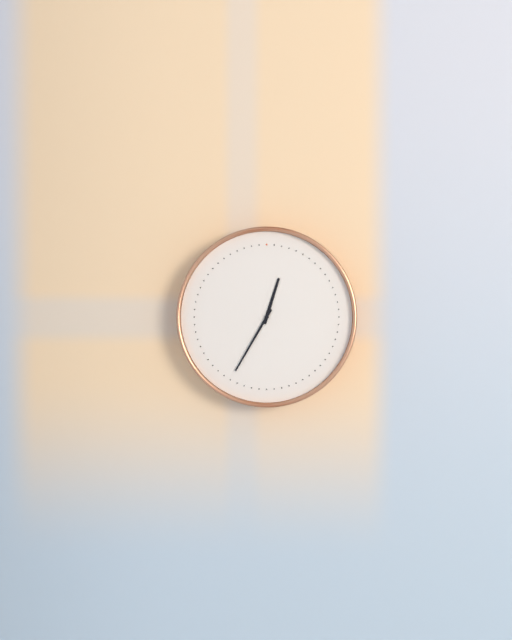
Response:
12h35
